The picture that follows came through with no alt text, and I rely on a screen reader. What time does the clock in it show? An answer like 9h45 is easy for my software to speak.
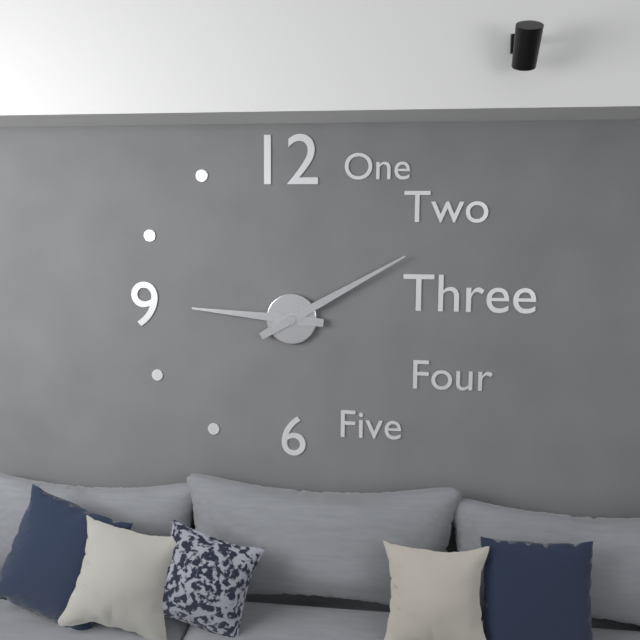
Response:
9h10
